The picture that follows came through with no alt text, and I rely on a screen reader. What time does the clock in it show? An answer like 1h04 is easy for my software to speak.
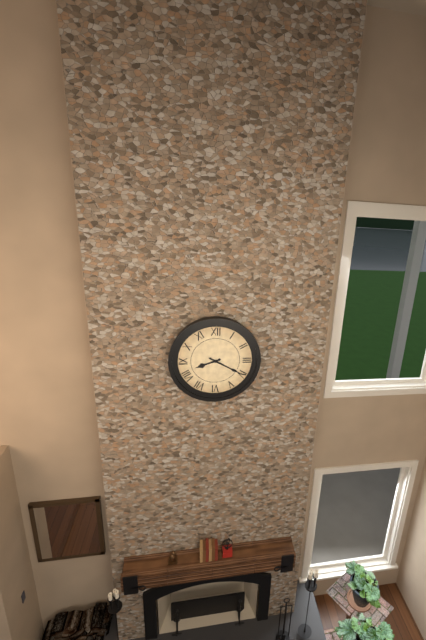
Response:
8h20
